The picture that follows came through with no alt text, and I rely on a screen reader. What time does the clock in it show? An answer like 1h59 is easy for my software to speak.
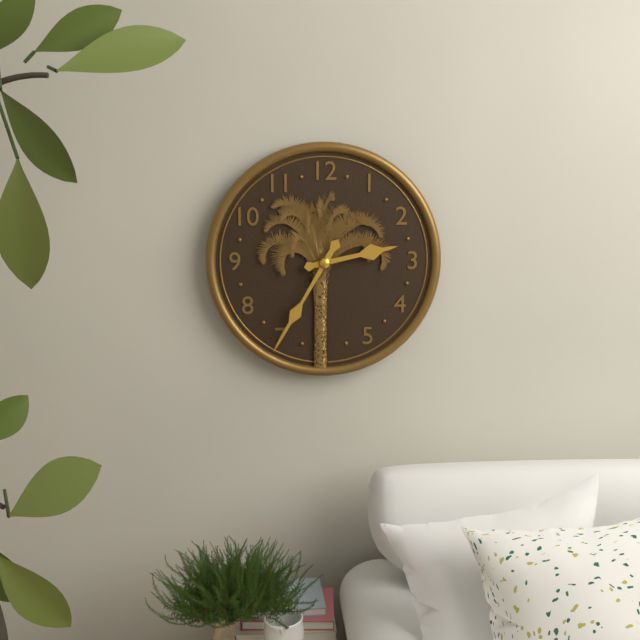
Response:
2h35
